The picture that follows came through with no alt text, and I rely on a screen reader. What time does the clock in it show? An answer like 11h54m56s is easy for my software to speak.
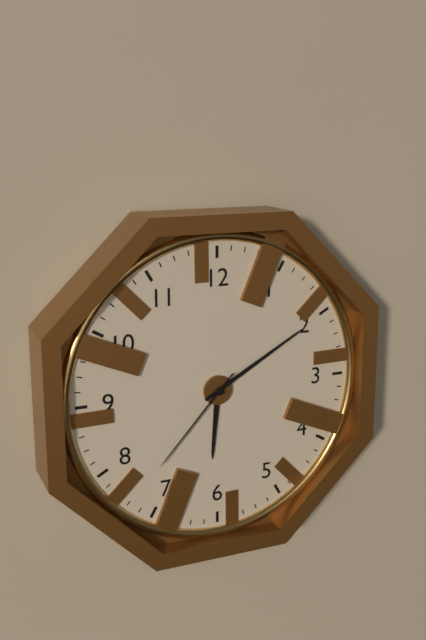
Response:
6h10m37s
